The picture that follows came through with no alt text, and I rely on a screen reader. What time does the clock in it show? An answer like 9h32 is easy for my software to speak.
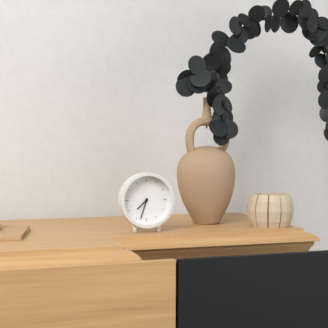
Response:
7h33
